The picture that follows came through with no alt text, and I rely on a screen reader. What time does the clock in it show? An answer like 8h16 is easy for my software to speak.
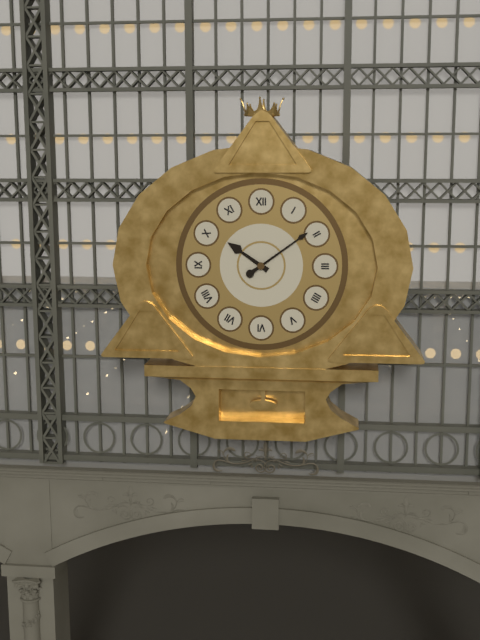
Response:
10h09
